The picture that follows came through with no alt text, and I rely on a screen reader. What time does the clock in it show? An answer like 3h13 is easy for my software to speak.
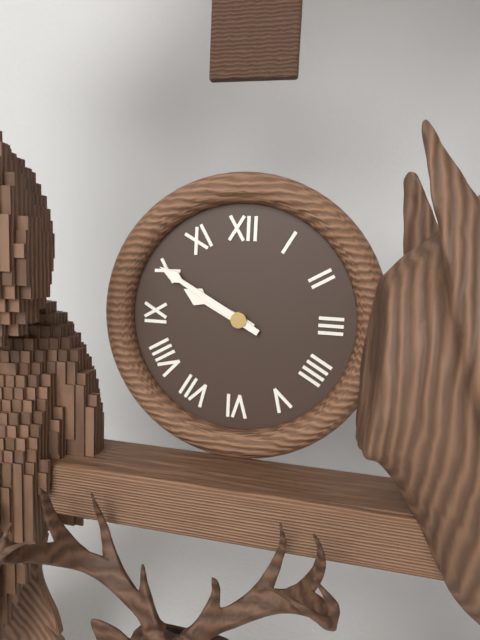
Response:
9h50
